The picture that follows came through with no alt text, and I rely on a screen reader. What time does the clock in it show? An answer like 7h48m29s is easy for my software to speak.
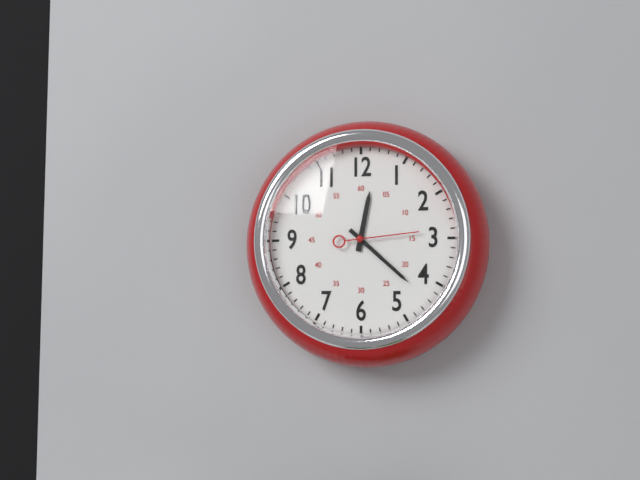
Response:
12h22m14s
